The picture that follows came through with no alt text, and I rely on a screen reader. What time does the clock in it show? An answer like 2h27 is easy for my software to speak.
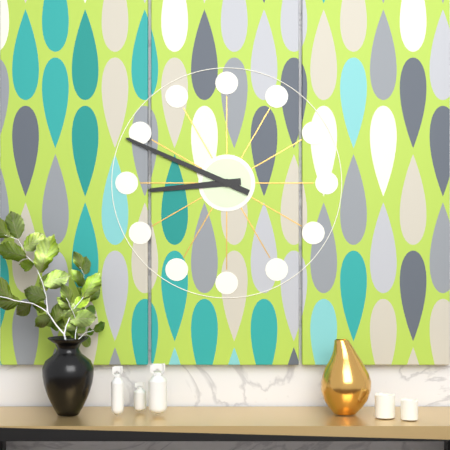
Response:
8h49
